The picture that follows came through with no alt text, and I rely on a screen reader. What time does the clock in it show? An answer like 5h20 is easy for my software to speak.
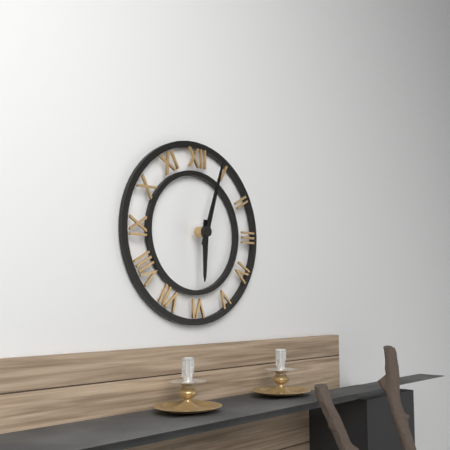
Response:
6h03
